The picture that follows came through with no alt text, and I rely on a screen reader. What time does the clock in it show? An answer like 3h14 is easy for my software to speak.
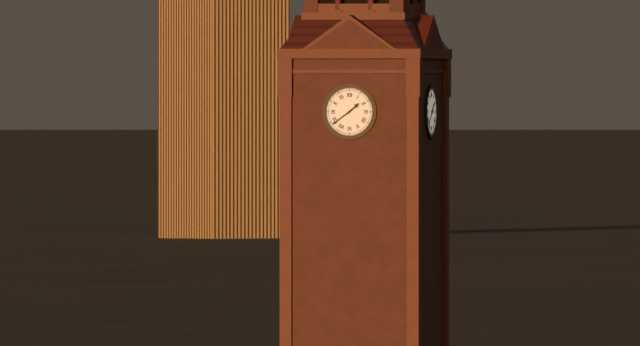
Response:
1h39
